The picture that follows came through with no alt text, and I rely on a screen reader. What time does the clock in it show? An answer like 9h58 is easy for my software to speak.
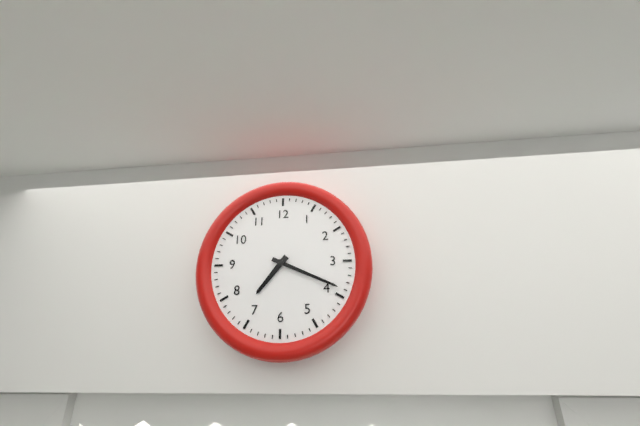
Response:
7h19
